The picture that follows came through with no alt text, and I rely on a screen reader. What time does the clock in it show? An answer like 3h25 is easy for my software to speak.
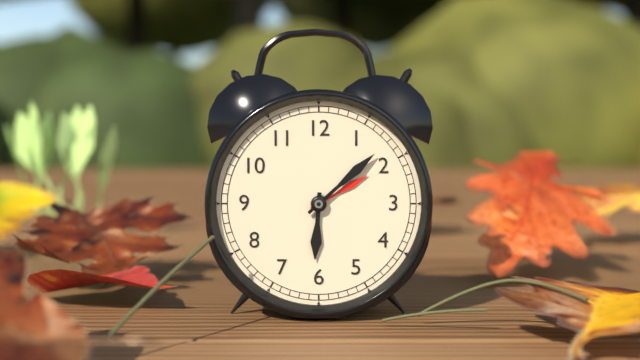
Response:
6h08
